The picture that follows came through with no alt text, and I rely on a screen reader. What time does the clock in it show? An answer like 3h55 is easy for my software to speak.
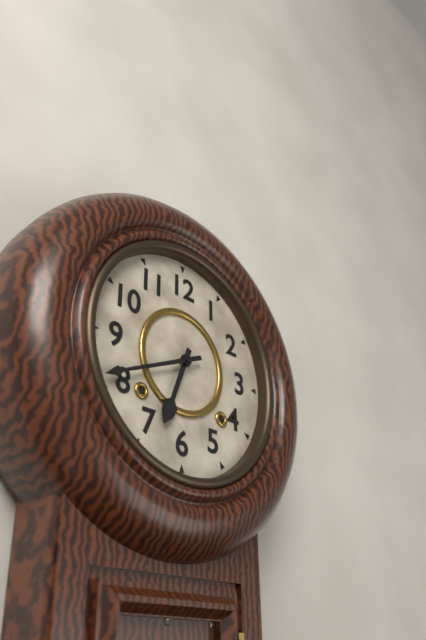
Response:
6h41
